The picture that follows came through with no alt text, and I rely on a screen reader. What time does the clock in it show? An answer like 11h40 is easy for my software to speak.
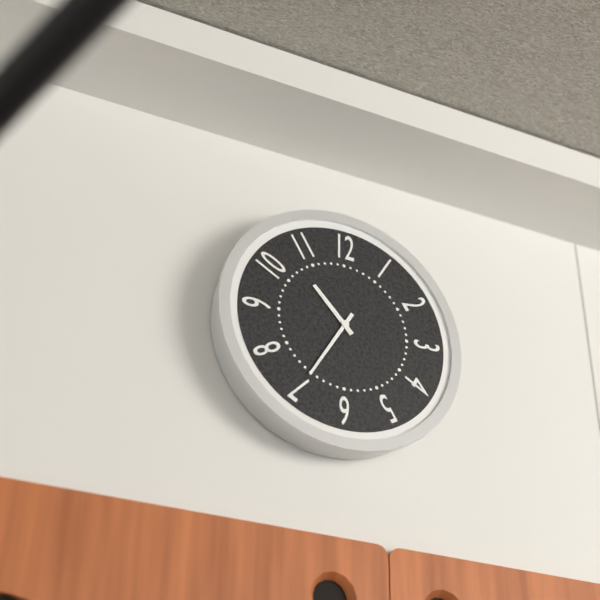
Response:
10h35
